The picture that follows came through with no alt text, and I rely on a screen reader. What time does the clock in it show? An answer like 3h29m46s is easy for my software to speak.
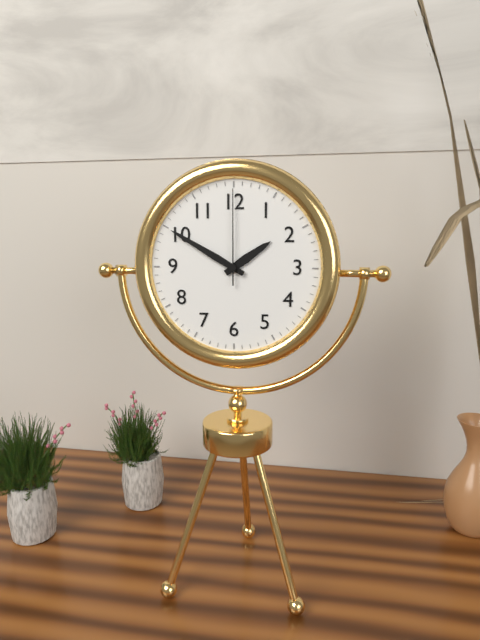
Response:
1h50m00s
